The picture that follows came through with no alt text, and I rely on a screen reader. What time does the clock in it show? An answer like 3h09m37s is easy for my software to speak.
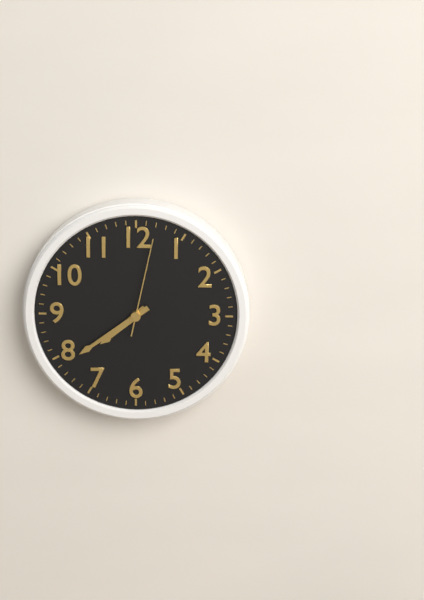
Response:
7h39m02s
